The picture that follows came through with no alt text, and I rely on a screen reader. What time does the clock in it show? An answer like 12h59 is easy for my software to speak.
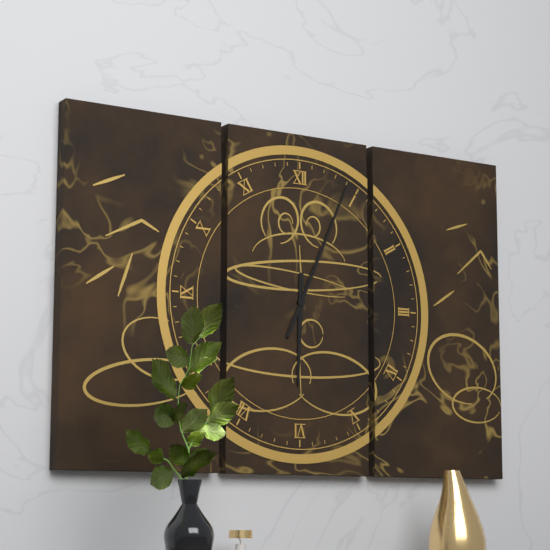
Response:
6h04
